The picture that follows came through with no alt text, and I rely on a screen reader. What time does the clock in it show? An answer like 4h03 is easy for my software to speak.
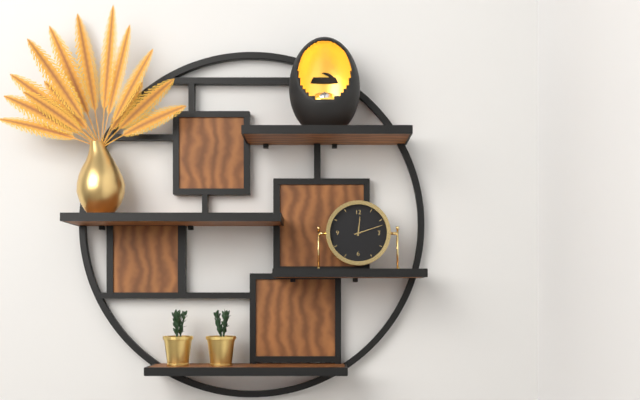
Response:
12h12
